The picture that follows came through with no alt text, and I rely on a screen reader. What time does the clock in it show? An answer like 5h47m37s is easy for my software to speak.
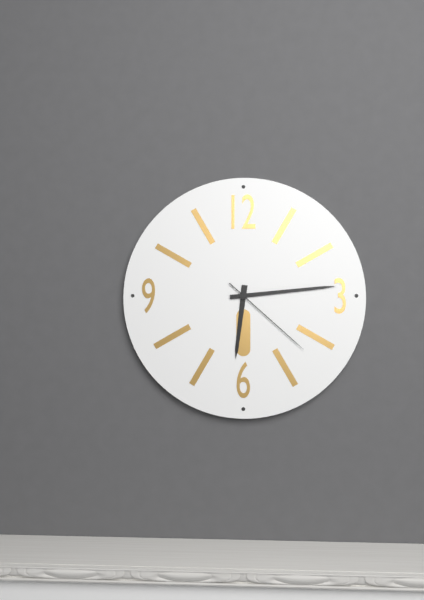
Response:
6h14m22s
